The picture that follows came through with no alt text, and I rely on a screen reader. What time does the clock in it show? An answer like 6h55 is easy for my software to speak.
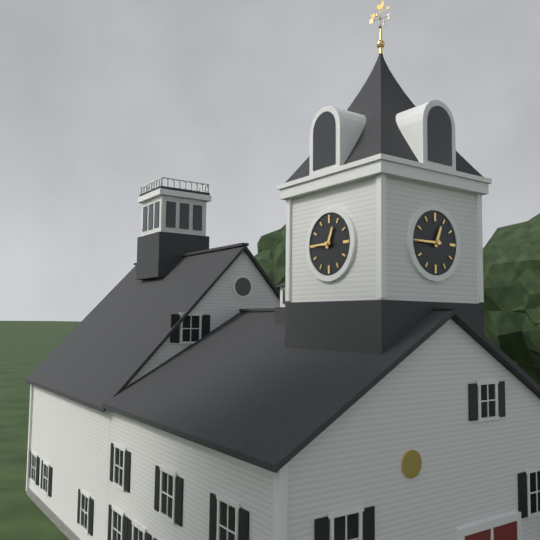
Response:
12h45
